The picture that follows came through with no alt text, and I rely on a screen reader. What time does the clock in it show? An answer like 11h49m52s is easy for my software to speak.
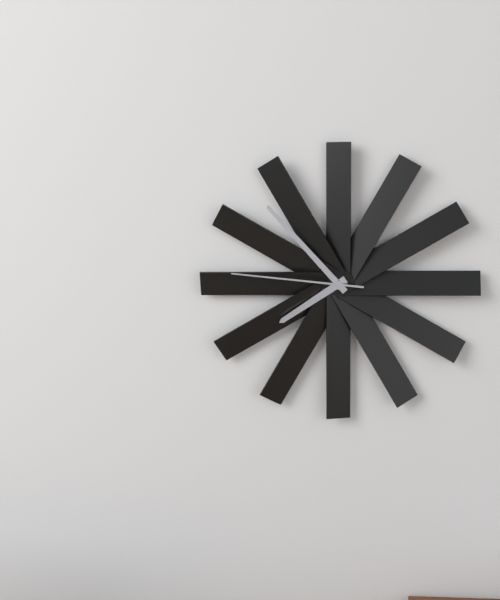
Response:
7h53m46s
